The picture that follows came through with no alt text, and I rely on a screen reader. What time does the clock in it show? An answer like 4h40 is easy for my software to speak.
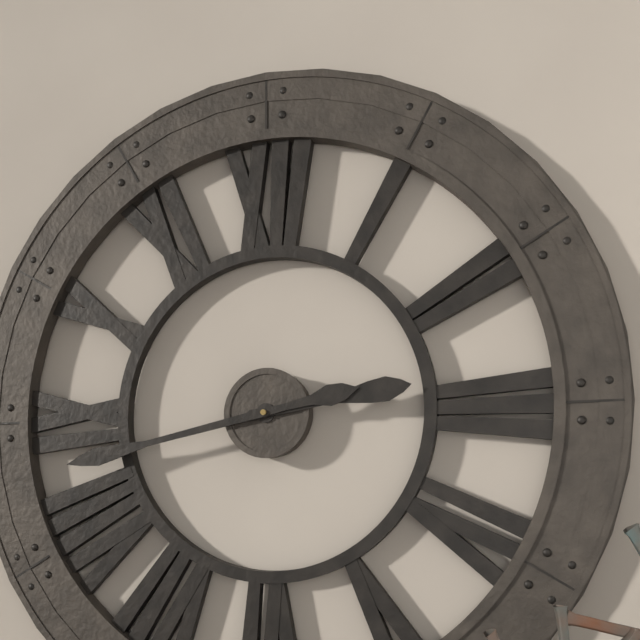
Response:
2h43
